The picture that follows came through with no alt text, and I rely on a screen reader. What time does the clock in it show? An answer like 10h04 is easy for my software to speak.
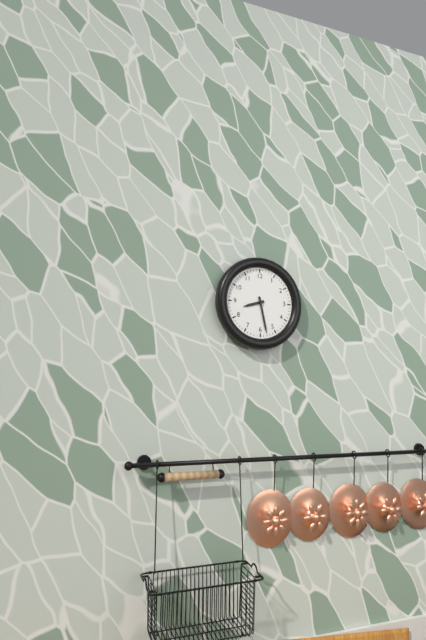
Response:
8h28
